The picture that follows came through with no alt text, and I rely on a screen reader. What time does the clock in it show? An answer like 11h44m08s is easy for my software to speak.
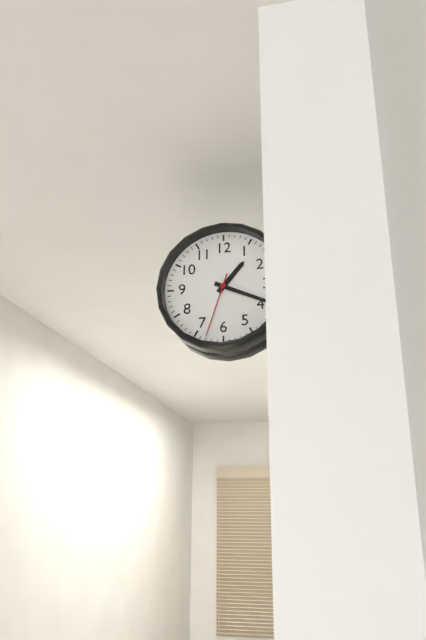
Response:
1h19m33s
